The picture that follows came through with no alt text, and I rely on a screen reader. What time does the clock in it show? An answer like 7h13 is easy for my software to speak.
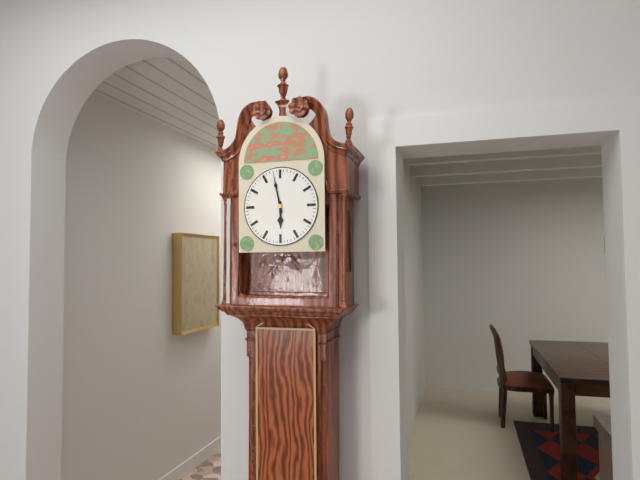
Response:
5h58
